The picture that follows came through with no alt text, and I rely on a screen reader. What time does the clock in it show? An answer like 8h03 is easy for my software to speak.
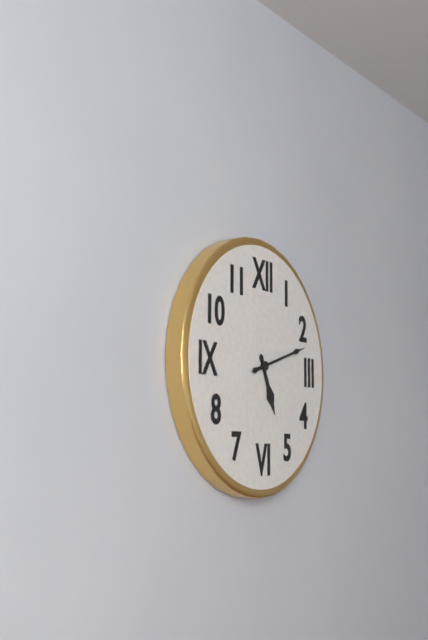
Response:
5h12
